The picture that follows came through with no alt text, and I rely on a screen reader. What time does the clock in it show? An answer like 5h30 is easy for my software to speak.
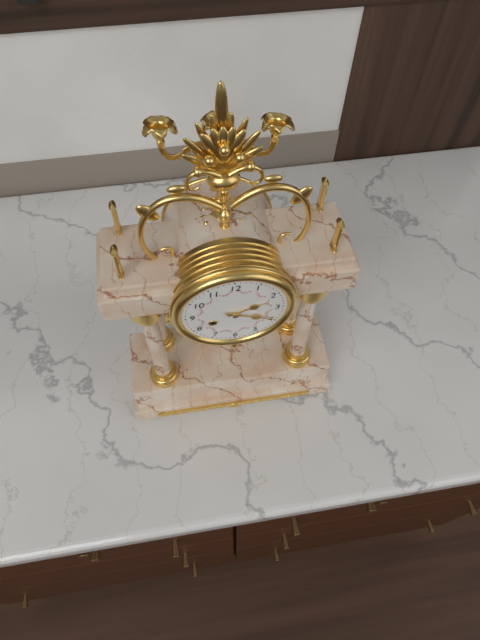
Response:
2h19
